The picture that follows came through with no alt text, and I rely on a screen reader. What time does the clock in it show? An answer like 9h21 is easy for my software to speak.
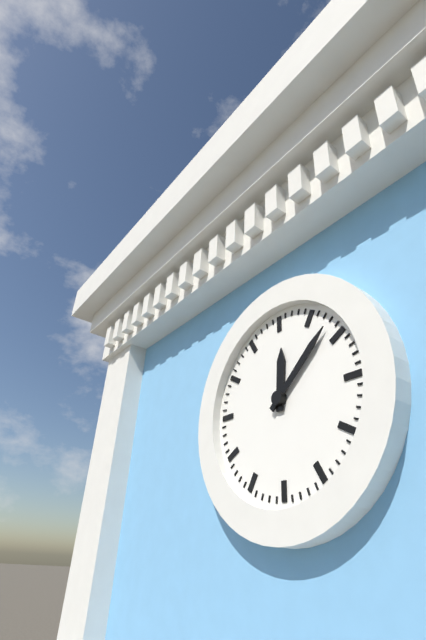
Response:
12h08
